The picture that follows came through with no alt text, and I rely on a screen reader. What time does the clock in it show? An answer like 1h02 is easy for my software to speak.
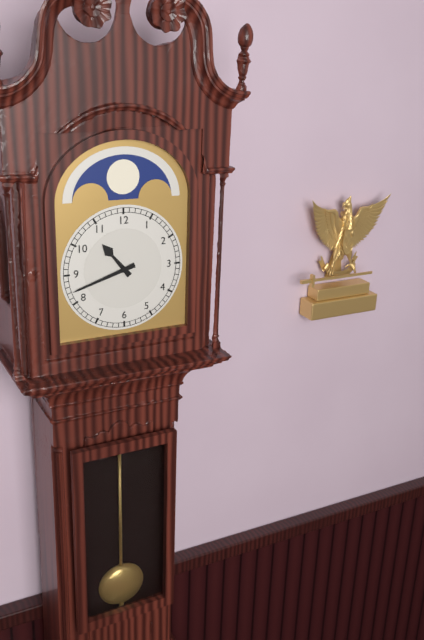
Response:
10h42
